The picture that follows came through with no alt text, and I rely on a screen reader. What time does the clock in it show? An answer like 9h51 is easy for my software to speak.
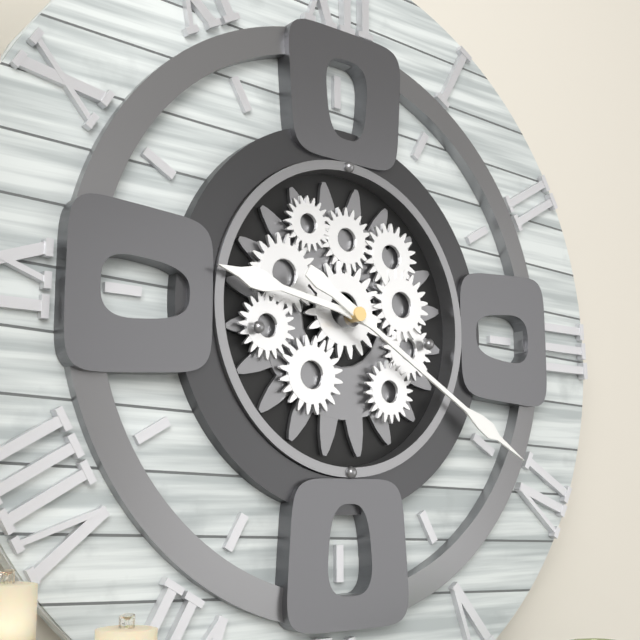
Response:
9h20
